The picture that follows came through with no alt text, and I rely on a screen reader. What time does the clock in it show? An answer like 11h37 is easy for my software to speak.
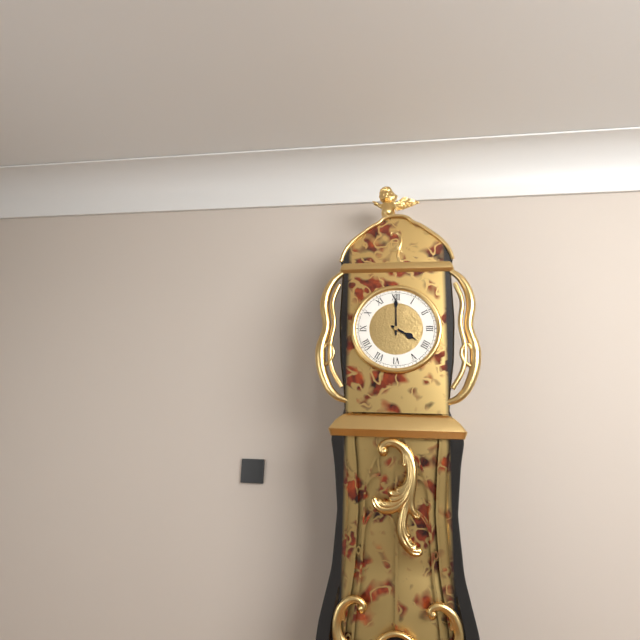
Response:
4h00
